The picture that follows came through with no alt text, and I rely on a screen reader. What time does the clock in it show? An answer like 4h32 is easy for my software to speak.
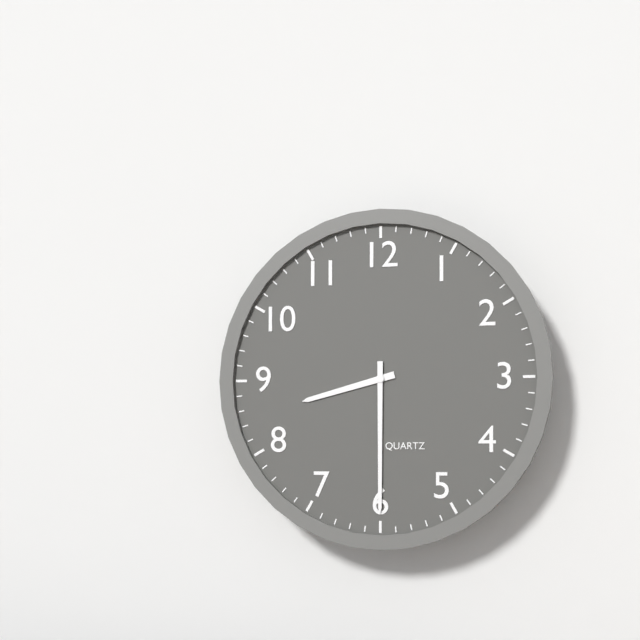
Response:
8h30
